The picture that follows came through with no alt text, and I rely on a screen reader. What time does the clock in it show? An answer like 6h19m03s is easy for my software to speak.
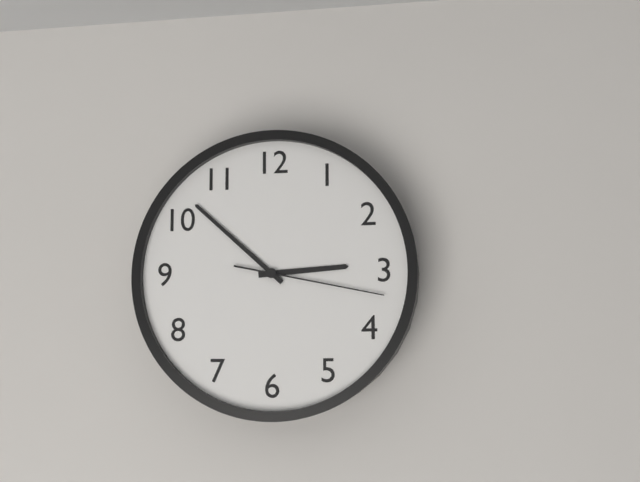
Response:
2h52m17s
